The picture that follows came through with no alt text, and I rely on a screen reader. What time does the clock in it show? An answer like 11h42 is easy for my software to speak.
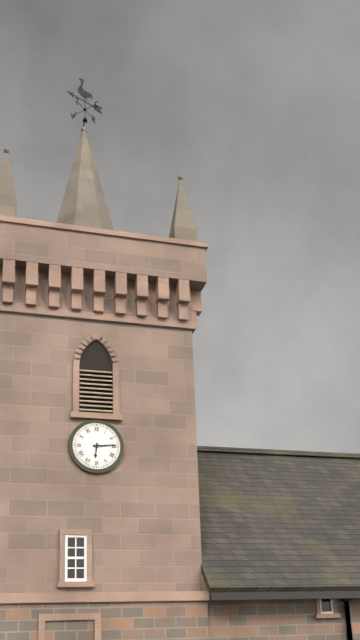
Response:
6h14
